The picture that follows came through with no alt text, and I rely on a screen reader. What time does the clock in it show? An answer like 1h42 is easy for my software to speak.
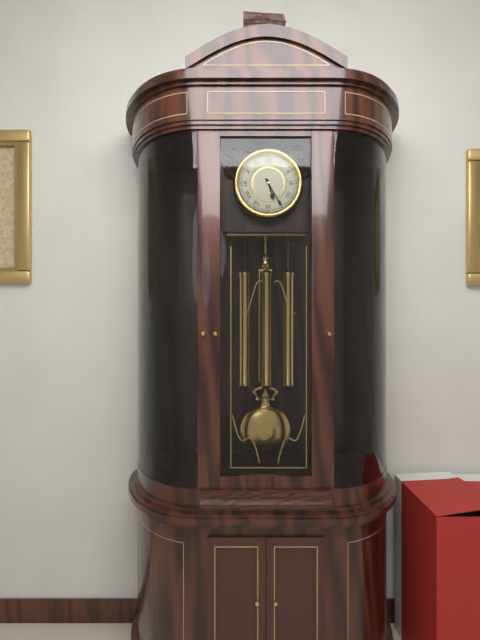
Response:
5h25
